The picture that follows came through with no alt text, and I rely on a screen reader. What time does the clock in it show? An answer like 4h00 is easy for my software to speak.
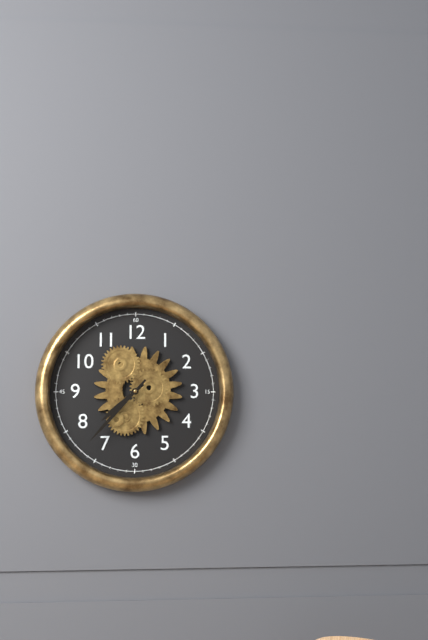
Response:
7h37
